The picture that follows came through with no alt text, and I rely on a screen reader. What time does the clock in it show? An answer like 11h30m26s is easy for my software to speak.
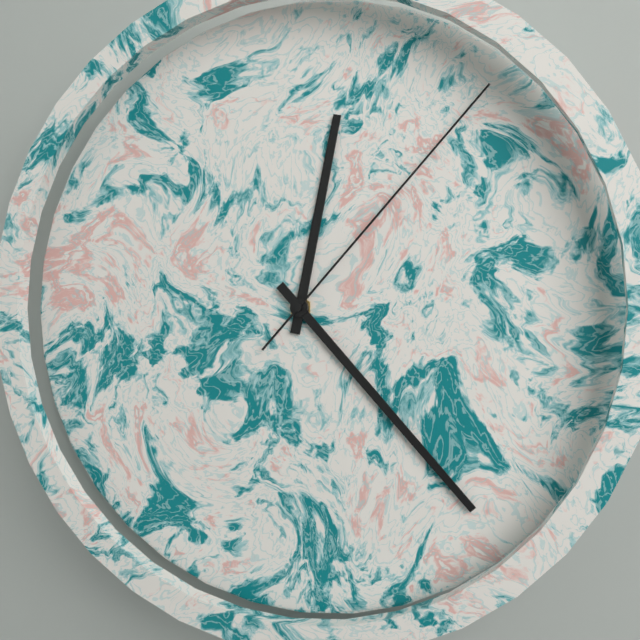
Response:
12h23m07s
